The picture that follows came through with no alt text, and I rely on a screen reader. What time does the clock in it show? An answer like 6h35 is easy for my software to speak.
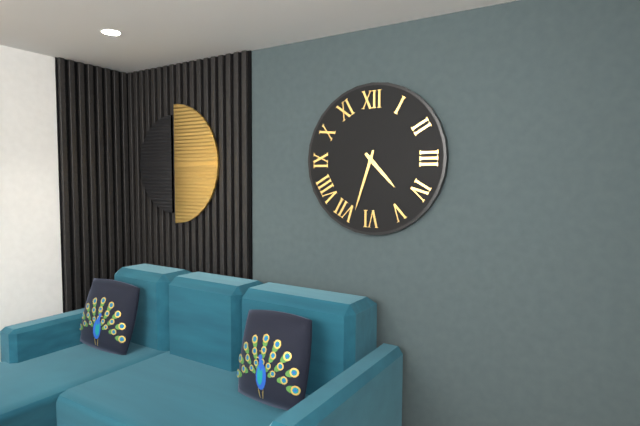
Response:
4h33
